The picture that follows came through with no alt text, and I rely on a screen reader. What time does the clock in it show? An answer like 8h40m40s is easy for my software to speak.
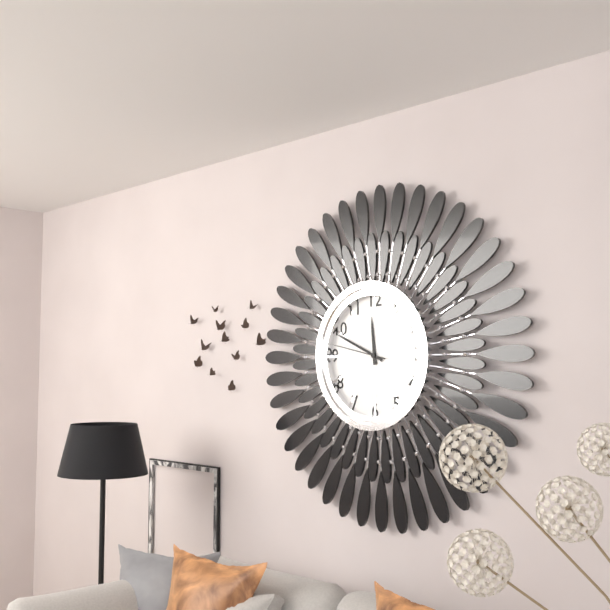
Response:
11h49m47s
